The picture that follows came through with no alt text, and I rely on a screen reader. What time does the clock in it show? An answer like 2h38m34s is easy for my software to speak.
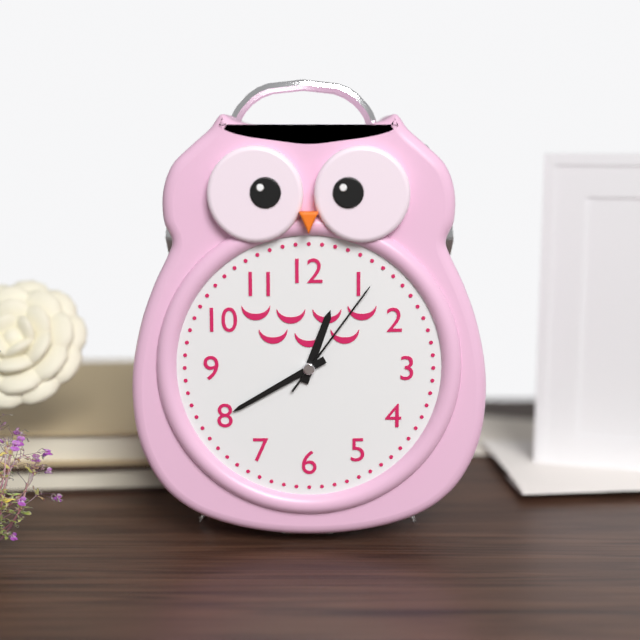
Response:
12h40m06s
